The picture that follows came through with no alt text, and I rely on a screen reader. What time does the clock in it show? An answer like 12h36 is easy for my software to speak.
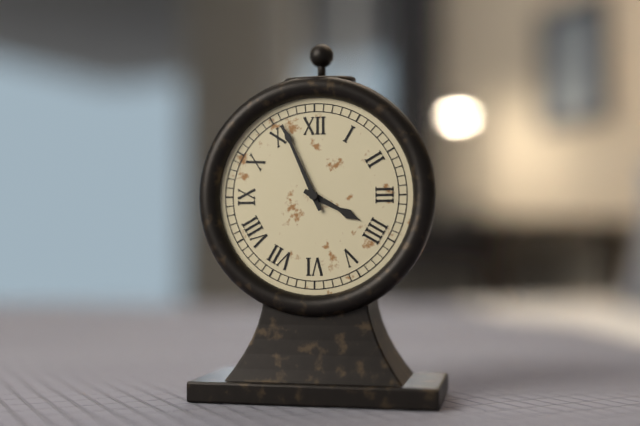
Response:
3h56
